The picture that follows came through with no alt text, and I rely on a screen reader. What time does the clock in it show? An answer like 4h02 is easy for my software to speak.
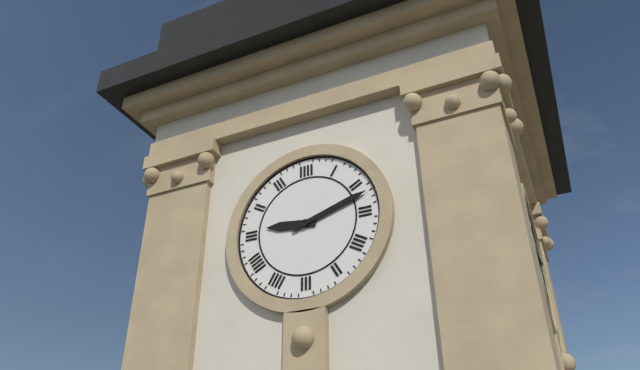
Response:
9h12
